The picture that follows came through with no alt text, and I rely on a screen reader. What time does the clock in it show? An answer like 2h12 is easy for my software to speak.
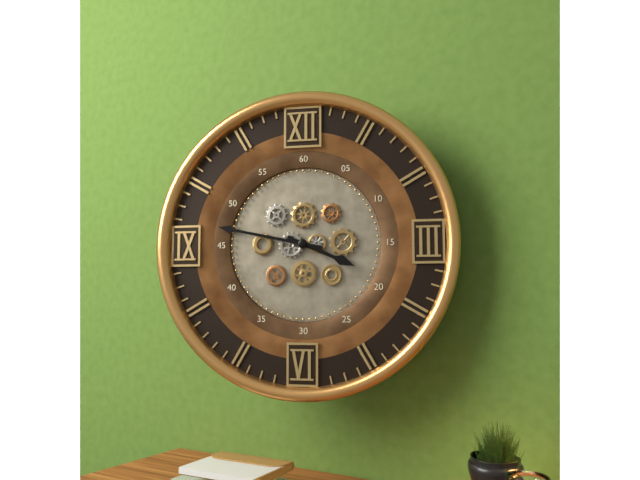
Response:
3h47
